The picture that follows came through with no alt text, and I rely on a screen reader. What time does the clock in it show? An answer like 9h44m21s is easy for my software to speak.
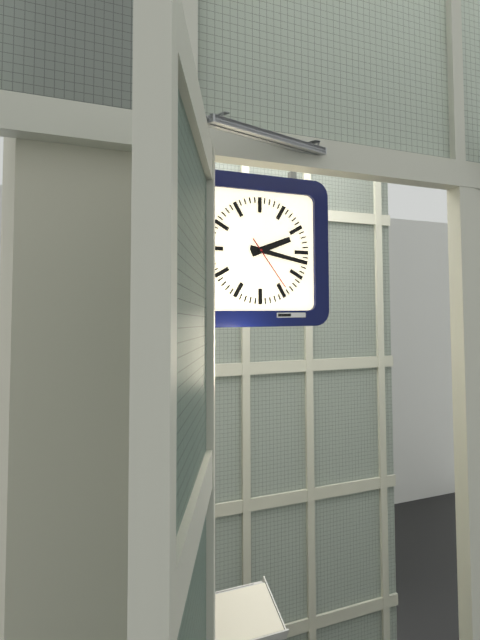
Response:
2h17m24s
